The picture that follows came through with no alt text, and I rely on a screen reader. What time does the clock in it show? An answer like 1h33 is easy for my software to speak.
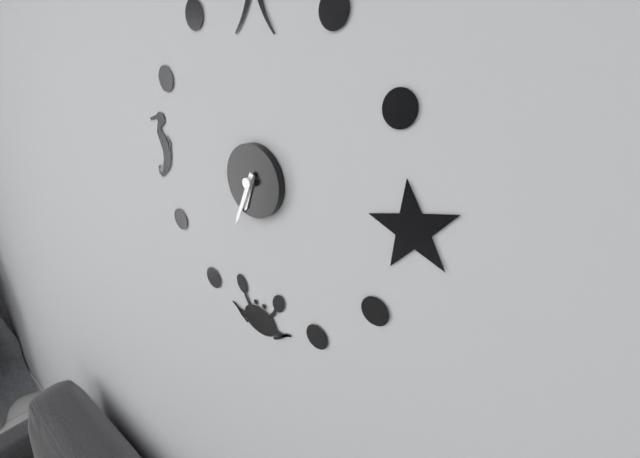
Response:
6h34
